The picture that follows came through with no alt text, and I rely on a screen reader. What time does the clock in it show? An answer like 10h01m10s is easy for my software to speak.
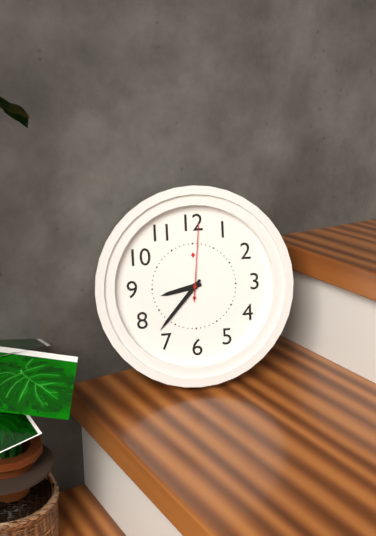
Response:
8h37m01s
